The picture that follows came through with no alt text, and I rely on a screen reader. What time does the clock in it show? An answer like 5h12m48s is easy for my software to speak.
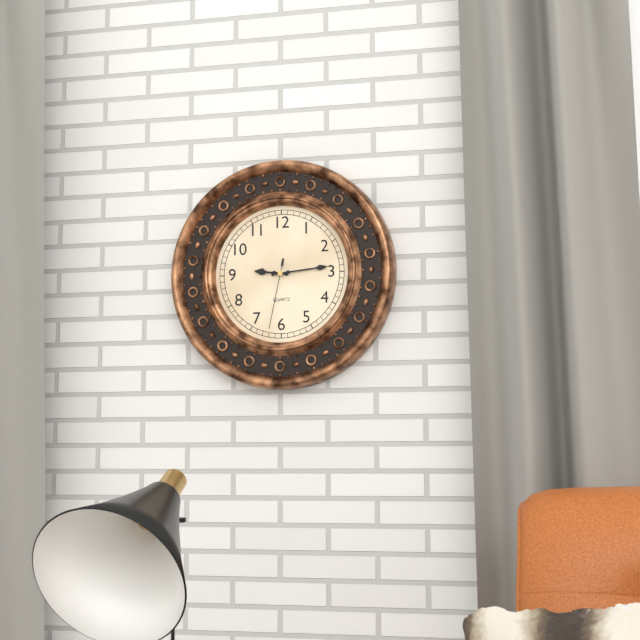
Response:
9h14m32s
